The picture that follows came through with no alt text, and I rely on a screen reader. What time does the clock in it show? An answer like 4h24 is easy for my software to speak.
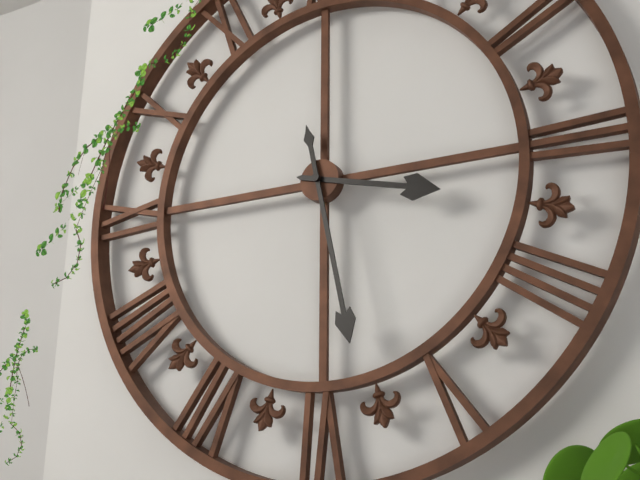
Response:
3h28
